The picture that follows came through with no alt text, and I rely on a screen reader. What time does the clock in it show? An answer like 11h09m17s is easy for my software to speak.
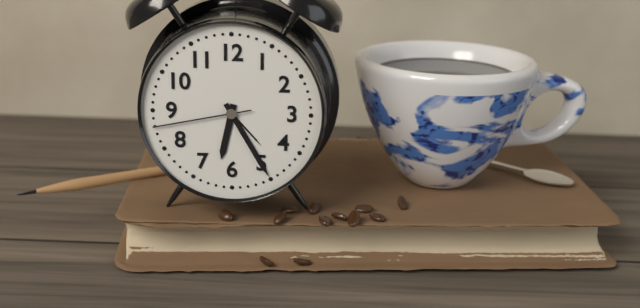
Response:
6h25m43s
